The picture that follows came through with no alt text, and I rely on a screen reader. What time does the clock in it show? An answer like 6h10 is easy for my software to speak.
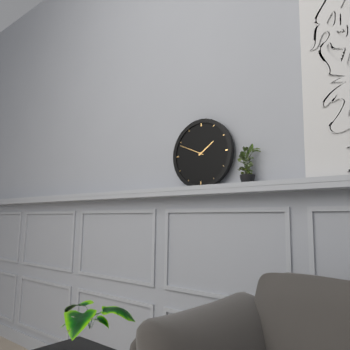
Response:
1h49
